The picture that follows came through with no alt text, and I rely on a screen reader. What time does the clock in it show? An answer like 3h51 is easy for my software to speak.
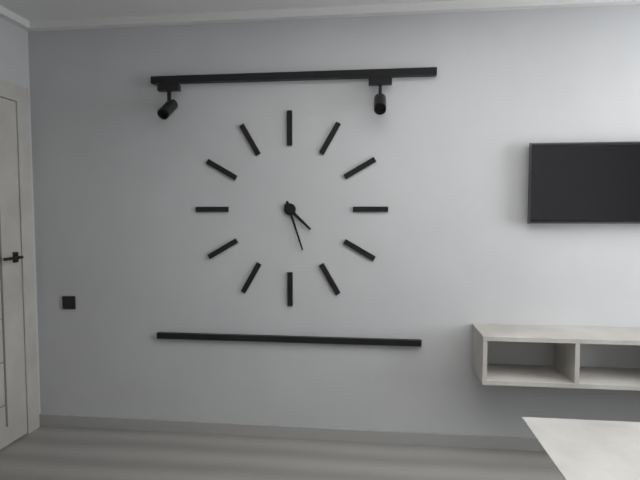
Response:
4h27
